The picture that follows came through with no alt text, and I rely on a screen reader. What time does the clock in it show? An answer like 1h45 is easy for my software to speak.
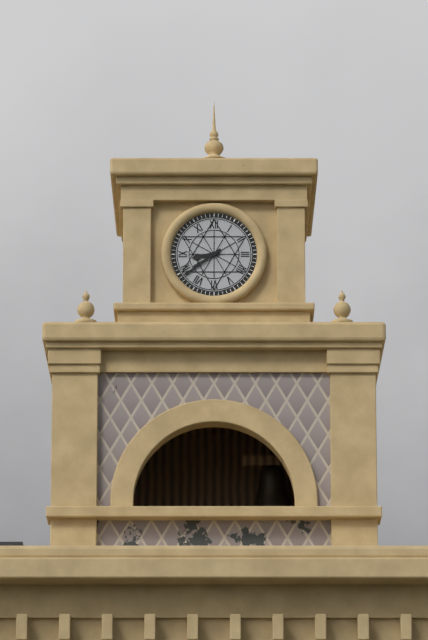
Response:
8h39
